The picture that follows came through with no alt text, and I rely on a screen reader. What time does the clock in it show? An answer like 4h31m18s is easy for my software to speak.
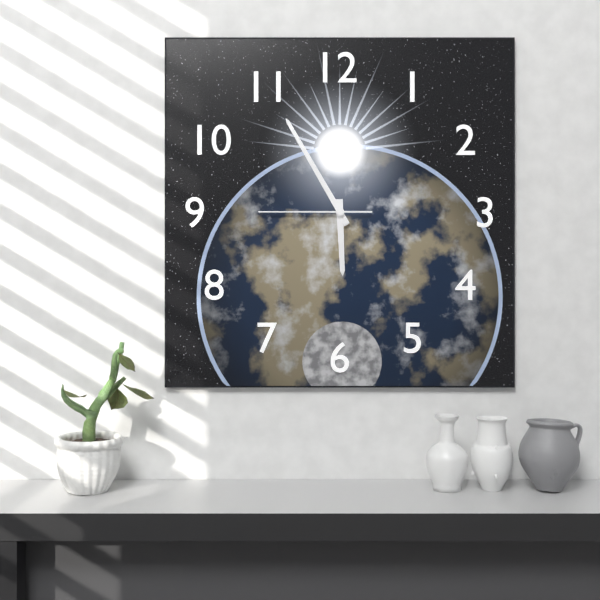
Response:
5h55m45s
